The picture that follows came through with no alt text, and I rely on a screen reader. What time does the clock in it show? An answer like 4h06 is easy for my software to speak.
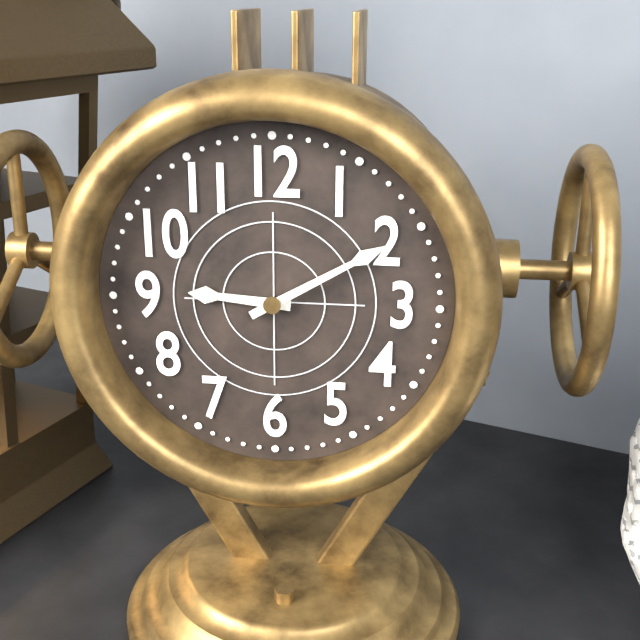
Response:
9h10
